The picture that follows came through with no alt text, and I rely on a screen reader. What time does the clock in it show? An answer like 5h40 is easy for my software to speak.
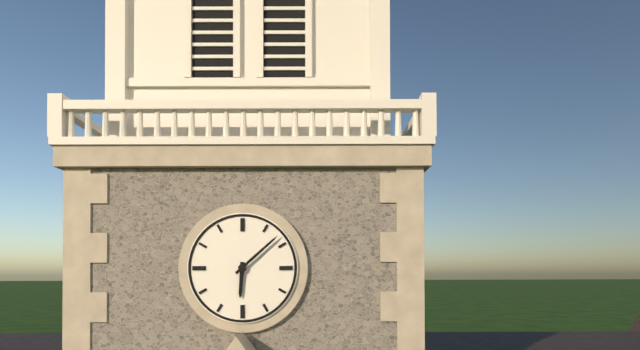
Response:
6h08
